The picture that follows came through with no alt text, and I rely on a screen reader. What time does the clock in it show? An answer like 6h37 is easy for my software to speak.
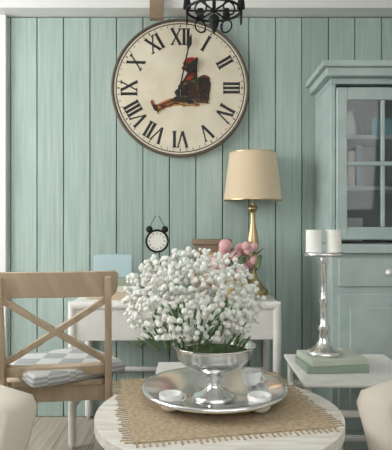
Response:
1h02
